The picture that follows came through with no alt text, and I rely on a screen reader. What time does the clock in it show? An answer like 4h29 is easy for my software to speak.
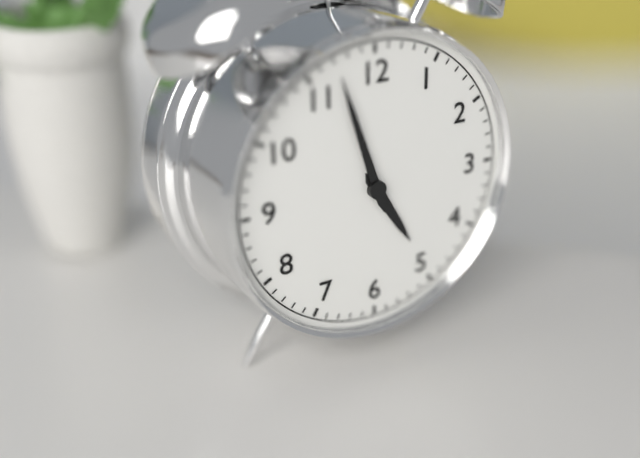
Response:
4h57
